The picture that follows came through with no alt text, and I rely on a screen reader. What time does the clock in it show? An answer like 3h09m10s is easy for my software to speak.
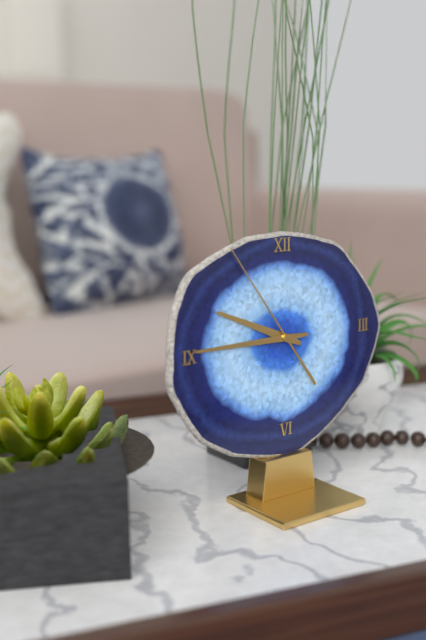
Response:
9h45m54s
